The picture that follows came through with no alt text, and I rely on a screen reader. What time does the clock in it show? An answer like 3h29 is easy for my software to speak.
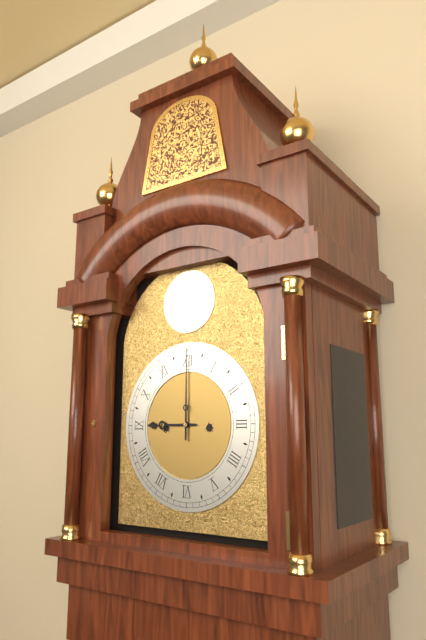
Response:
9h00
